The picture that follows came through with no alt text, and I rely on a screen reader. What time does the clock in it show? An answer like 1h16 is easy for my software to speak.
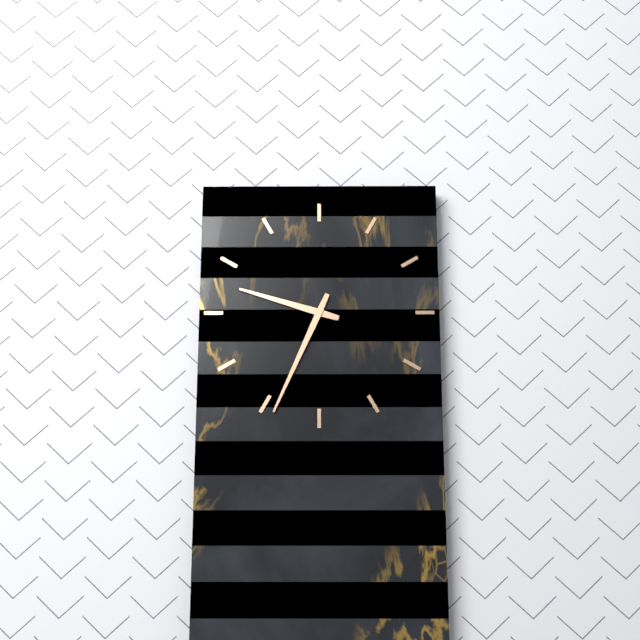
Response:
9h34
